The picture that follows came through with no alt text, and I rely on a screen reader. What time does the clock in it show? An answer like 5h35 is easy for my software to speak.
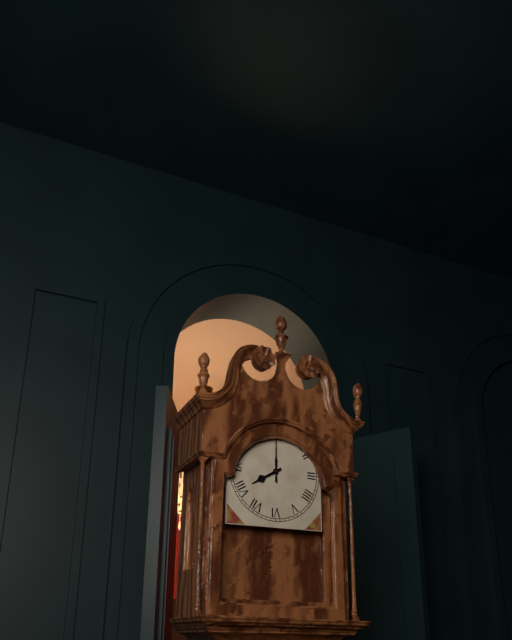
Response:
8h00
